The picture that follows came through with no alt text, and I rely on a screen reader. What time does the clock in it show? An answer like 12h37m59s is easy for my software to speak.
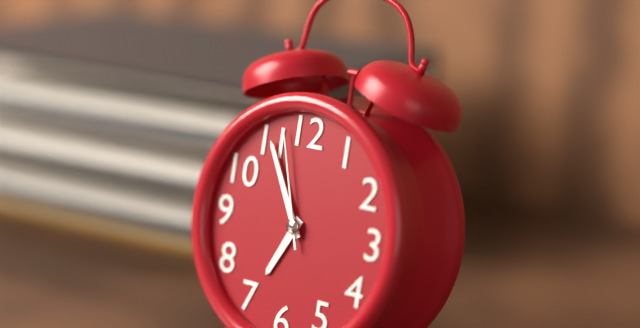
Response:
6h55m57s
